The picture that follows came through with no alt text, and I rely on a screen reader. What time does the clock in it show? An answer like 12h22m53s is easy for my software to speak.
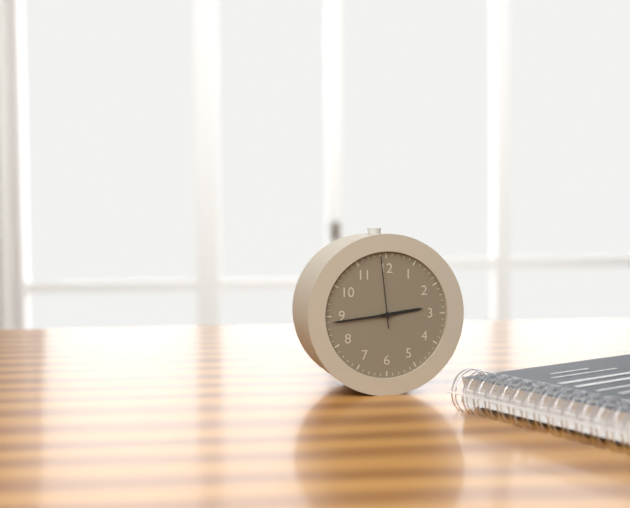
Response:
2h44m59s
